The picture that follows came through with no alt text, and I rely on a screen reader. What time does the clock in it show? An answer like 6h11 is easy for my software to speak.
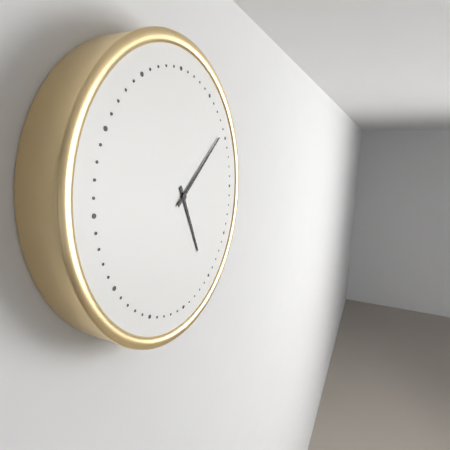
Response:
5h09
